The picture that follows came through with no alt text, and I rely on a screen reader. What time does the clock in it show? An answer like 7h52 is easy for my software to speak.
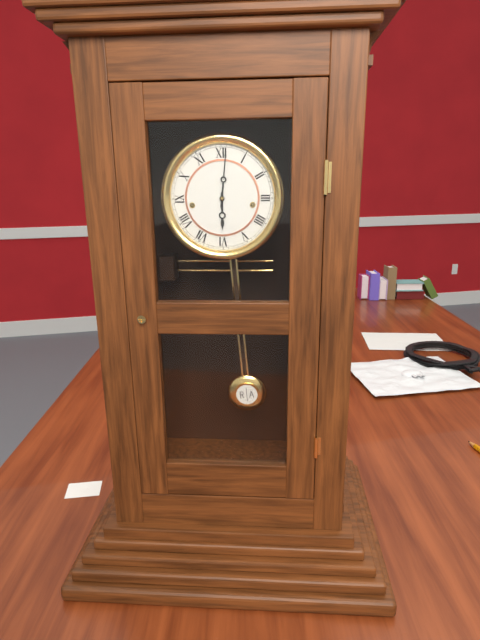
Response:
6h01
